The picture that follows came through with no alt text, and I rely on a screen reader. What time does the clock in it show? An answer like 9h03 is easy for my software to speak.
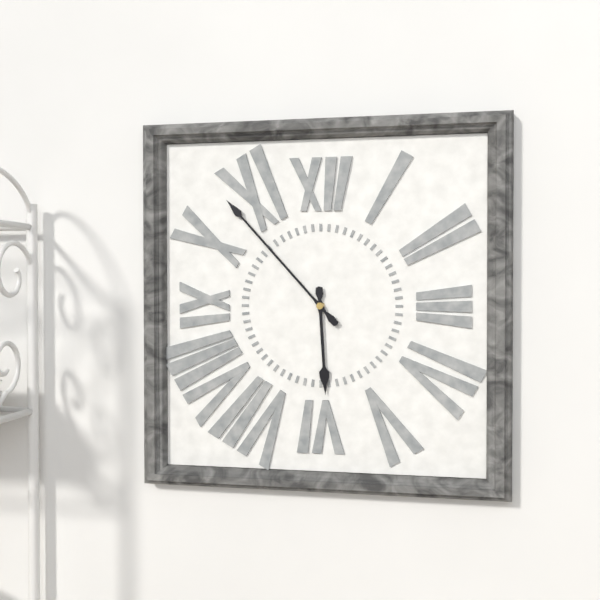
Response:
5h53
